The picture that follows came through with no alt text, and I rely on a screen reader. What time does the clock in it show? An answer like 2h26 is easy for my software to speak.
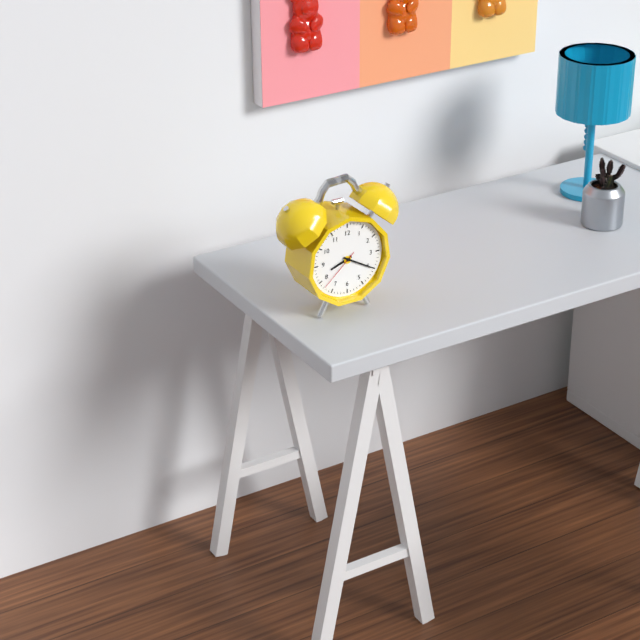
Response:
8h20
